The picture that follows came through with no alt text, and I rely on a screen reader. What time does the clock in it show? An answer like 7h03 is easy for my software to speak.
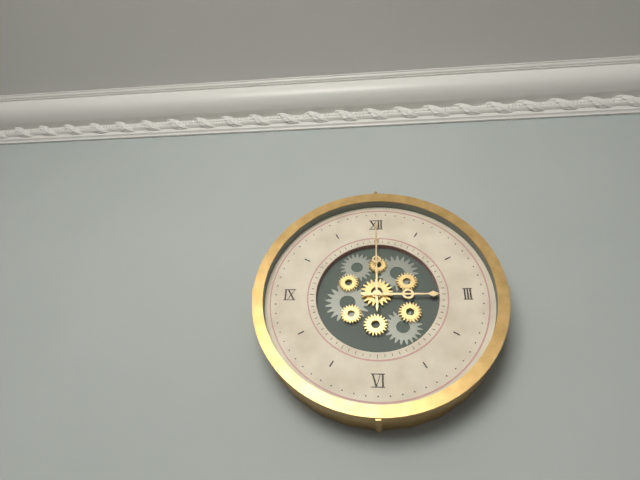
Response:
3h00
